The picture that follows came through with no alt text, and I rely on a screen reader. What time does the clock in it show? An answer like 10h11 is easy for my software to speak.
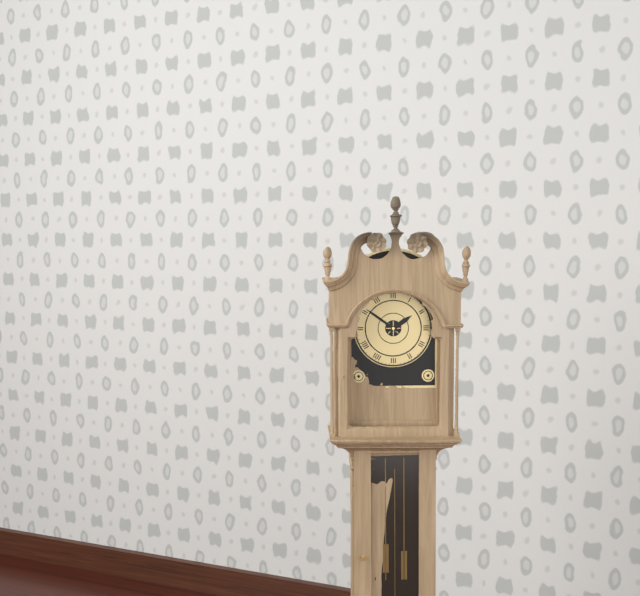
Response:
1h51
